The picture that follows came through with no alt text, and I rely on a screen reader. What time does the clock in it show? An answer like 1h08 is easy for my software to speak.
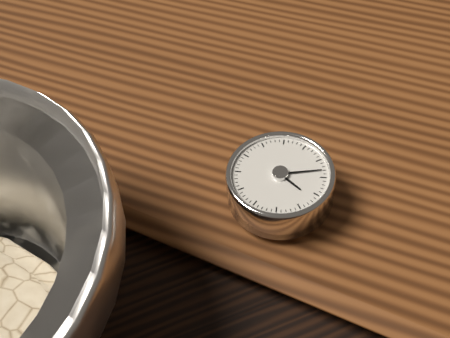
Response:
5h18
